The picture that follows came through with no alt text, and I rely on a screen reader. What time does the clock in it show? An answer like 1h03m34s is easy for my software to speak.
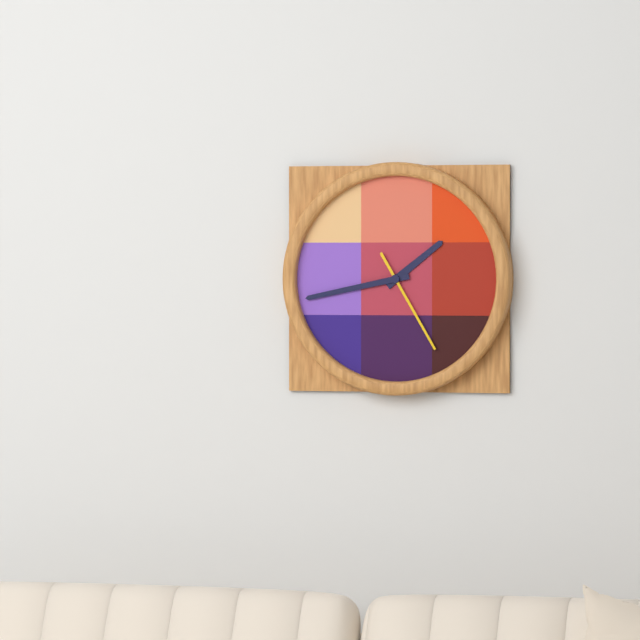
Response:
1h43m25s
